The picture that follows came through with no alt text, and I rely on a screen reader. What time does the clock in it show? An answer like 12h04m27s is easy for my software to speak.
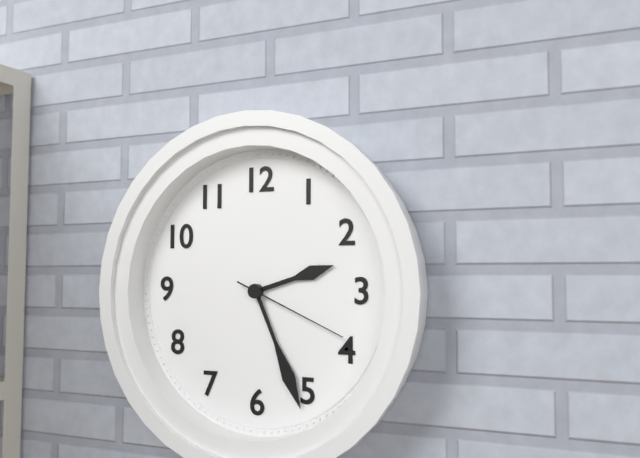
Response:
2h26m19s
